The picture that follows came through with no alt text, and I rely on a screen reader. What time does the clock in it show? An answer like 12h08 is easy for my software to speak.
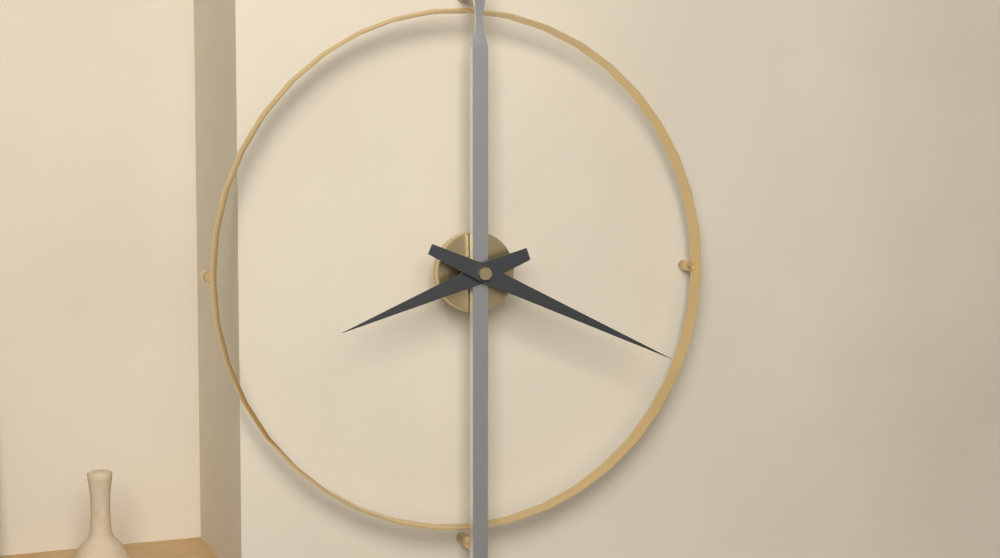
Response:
8h19
